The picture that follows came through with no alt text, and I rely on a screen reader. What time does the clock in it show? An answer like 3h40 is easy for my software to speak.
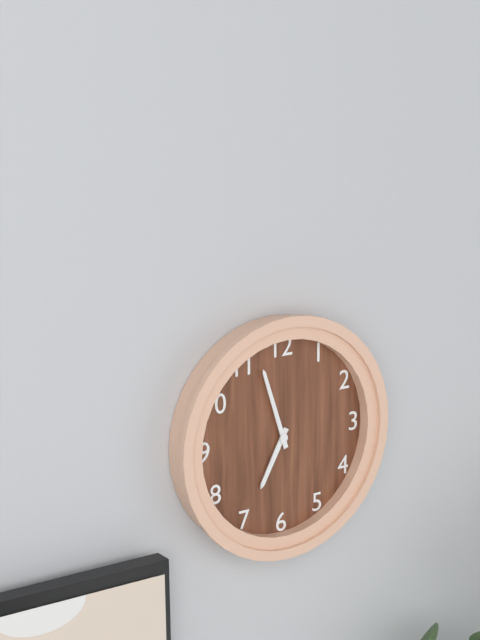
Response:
6h57
